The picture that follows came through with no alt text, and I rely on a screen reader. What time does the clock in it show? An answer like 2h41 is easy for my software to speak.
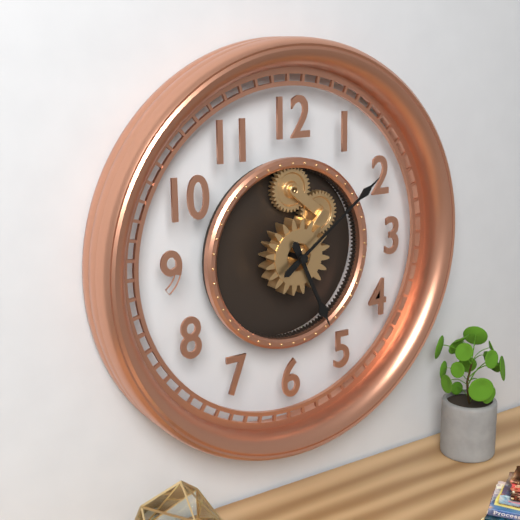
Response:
5h09
